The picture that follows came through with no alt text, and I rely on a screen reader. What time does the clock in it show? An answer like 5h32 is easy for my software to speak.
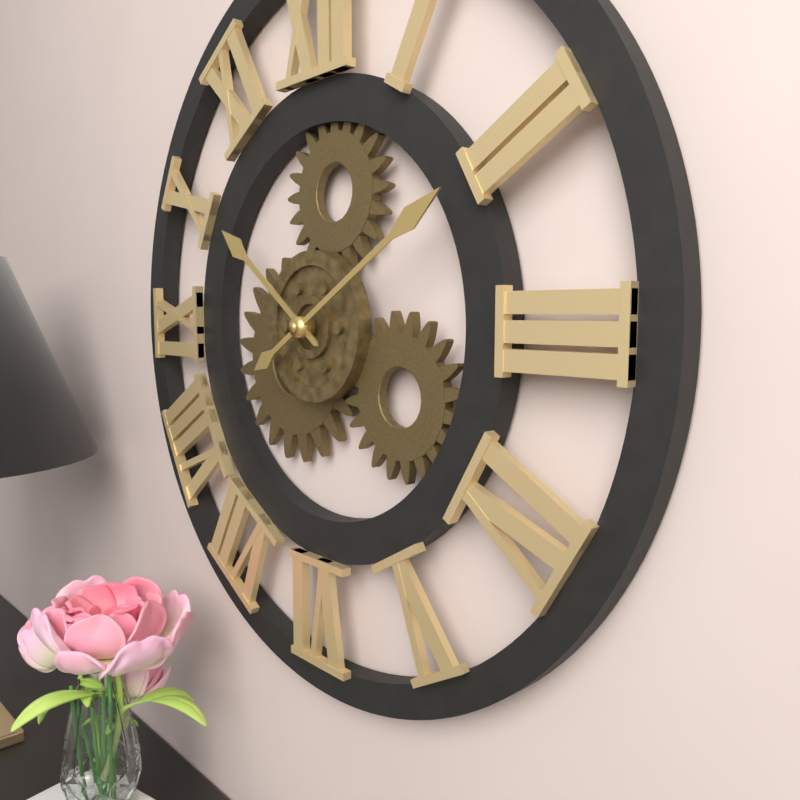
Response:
10h10
